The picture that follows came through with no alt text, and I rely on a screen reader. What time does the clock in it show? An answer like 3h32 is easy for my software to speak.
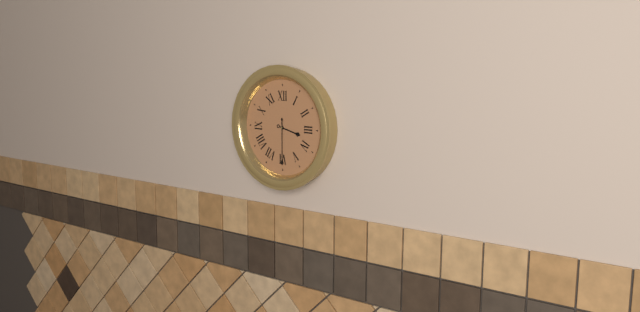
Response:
3h30
